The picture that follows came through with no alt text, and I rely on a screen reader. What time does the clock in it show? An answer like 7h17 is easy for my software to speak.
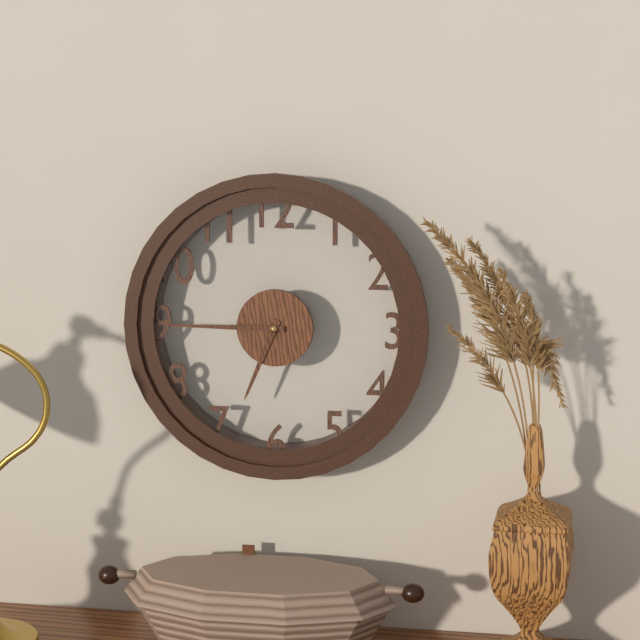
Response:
6h45
